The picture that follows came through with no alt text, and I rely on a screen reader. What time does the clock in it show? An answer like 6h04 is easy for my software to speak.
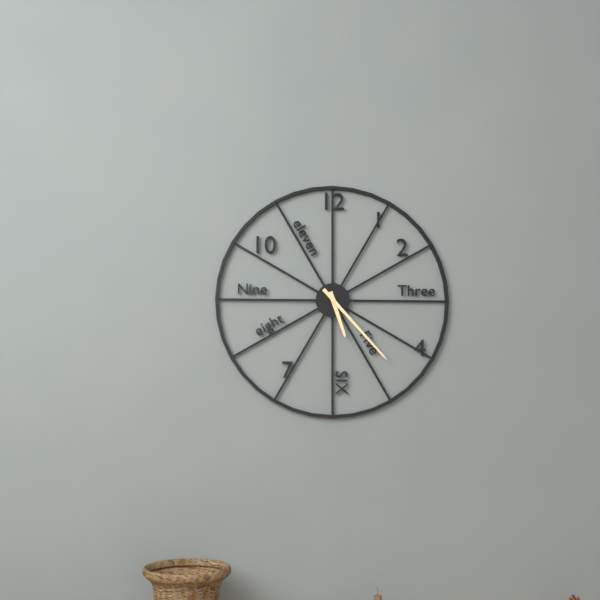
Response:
5h23
